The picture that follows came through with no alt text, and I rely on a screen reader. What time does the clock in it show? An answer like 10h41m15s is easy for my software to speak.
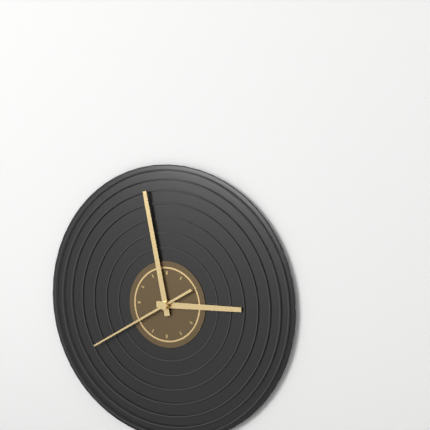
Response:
2h58m40s
